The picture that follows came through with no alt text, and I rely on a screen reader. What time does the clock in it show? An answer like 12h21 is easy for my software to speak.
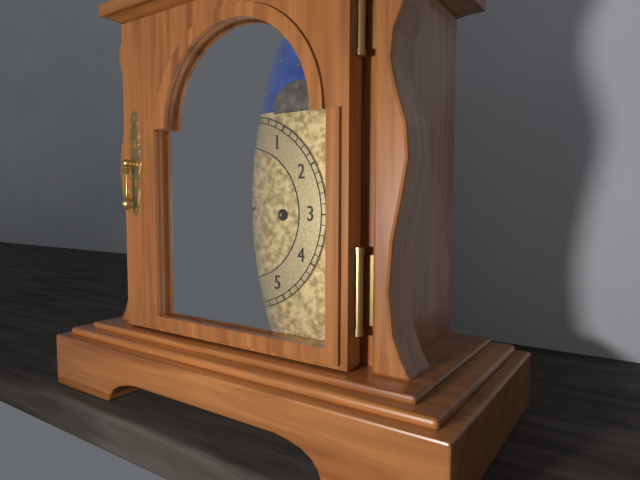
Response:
7h57
